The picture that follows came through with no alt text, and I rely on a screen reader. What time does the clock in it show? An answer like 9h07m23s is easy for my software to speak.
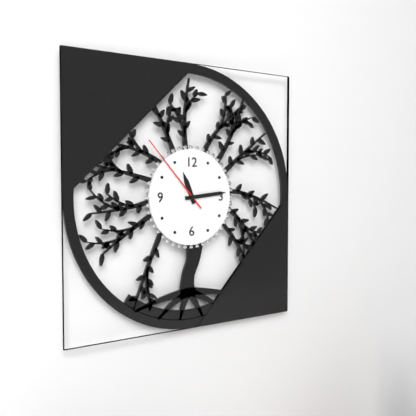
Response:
11h14m53s
